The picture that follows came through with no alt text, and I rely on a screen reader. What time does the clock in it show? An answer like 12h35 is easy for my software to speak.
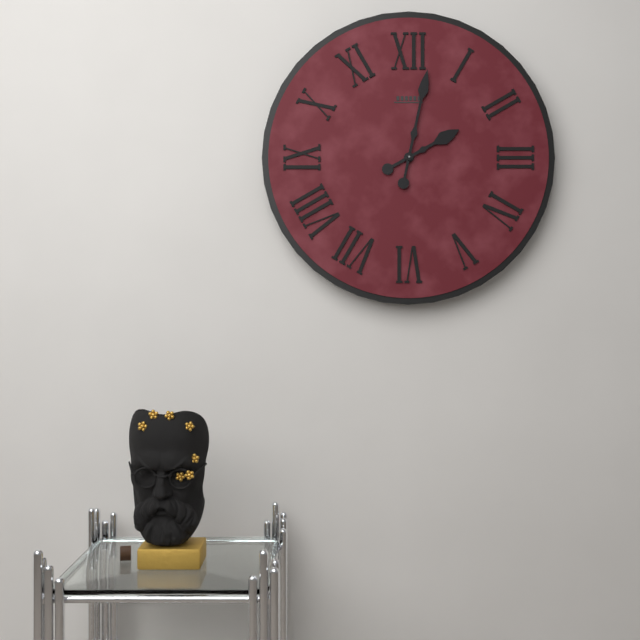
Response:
2h02
